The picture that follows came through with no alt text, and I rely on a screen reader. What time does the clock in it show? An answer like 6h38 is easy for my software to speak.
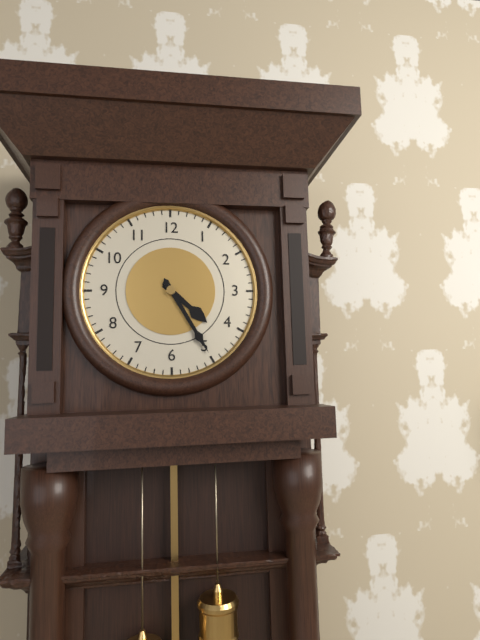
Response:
4h25
